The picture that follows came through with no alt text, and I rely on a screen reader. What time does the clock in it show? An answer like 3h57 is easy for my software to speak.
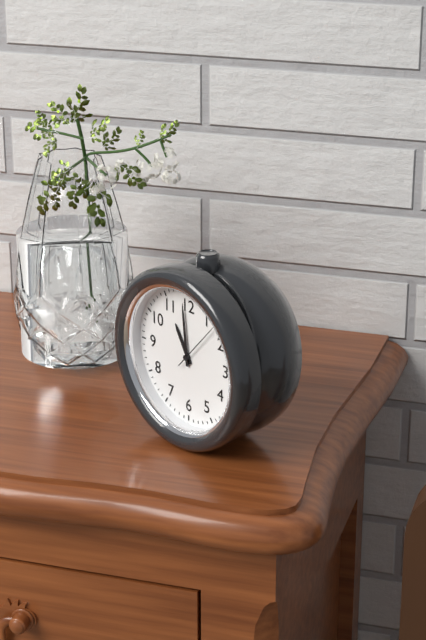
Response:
10h59
